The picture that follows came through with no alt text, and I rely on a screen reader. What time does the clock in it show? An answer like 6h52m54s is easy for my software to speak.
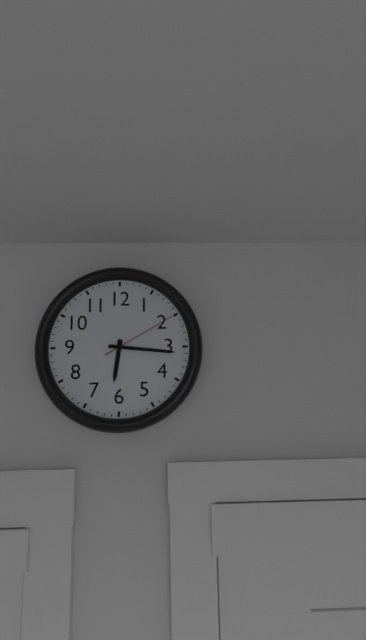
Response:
6h16m10s
